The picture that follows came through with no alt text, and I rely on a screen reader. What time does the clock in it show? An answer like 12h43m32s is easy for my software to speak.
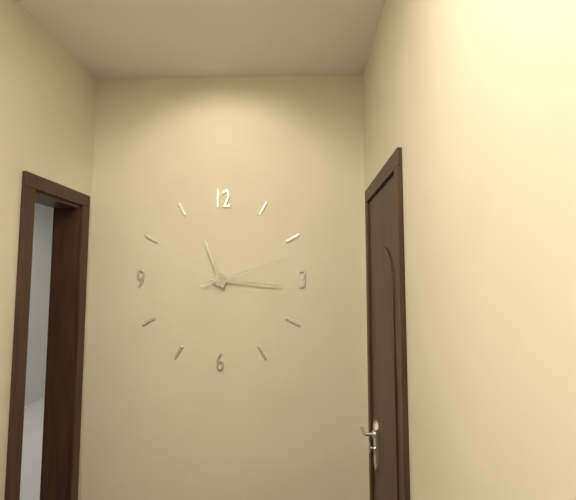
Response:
11h16m12s
